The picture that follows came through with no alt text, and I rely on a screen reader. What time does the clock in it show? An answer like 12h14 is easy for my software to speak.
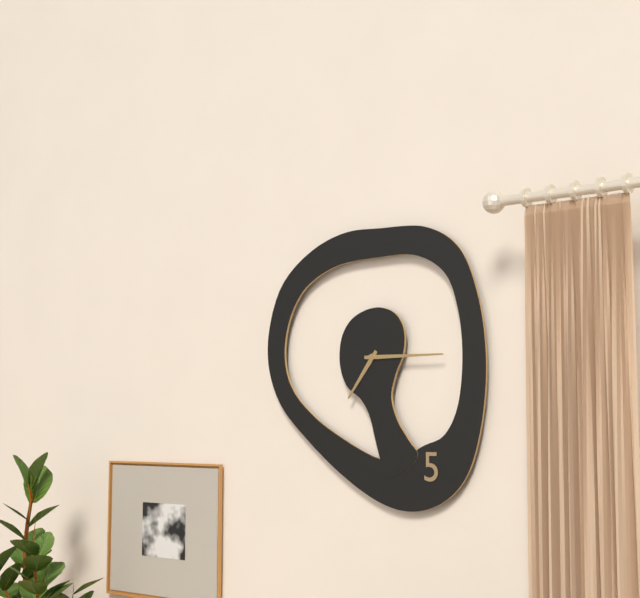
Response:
7h15
